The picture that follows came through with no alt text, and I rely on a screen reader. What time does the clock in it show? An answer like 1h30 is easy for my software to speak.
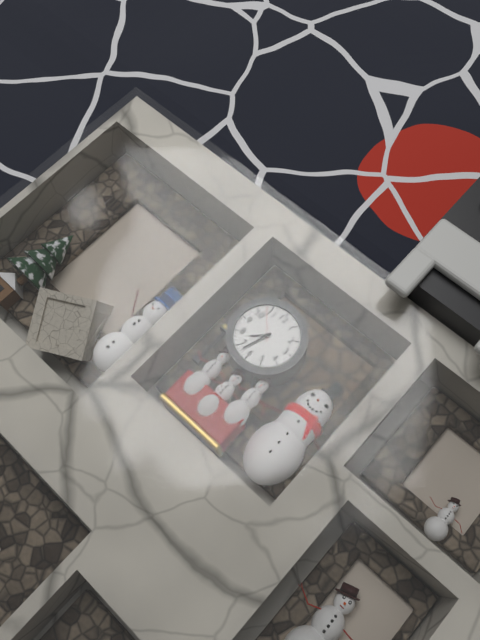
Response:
7h33
